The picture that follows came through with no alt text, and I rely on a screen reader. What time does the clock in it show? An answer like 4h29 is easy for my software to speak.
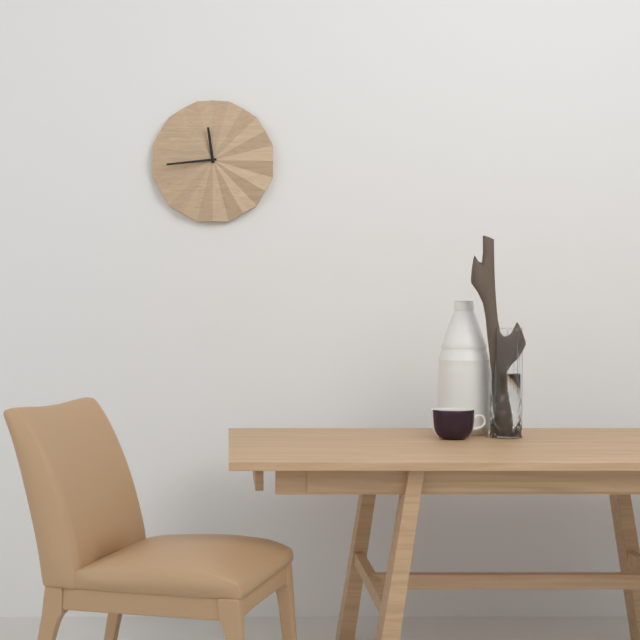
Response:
11h44
